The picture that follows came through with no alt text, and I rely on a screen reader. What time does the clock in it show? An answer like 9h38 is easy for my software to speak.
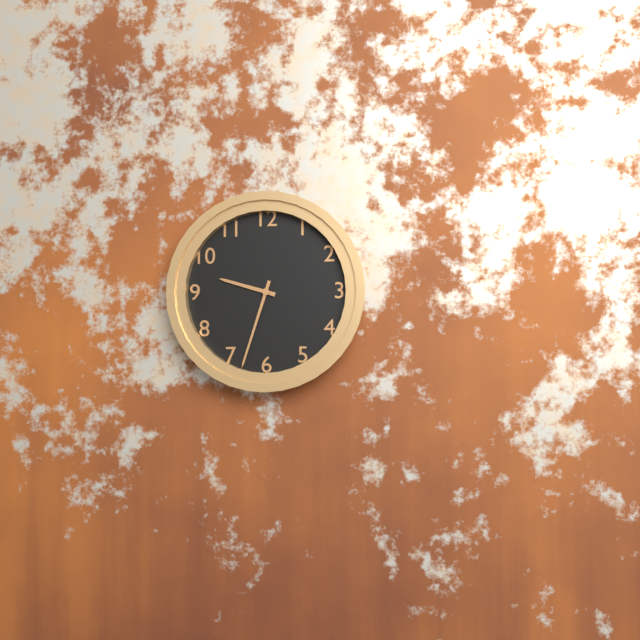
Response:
9h33
